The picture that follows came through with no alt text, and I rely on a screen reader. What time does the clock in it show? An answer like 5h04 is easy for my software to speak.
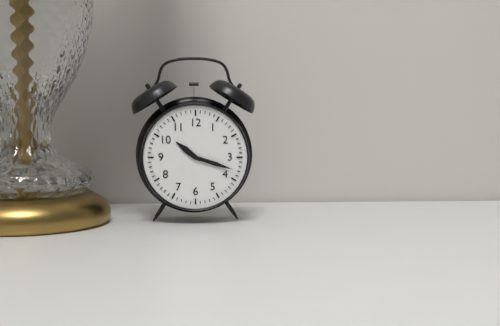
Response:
10h18
